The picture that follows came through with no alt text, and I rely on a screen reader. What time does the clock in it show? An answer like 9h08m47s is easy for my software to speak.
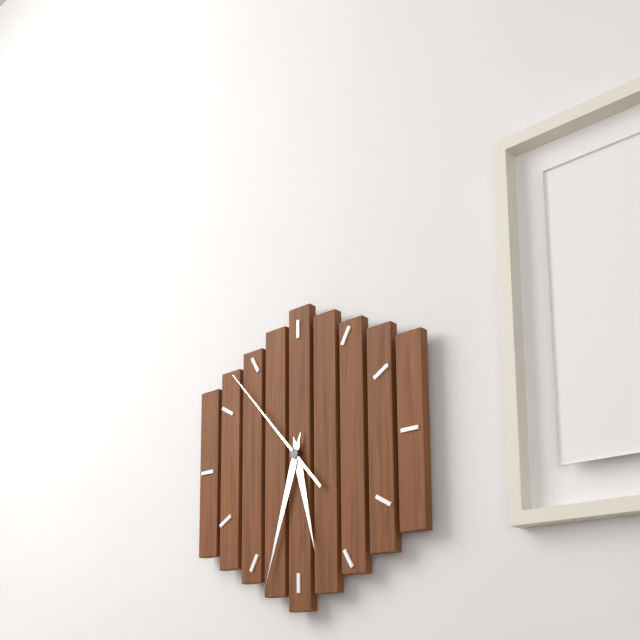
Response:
5h33m53s
